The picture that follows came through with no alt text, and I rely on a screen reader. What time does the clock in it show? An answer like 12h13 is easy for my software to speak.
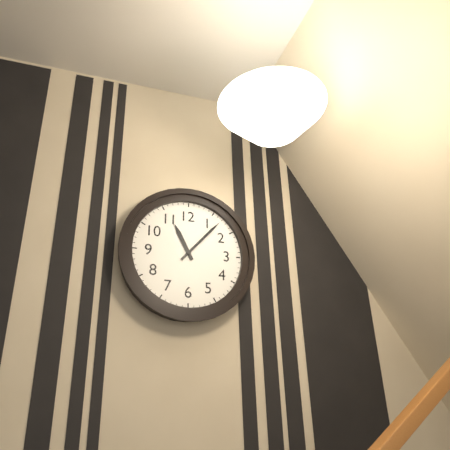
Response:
11h07
